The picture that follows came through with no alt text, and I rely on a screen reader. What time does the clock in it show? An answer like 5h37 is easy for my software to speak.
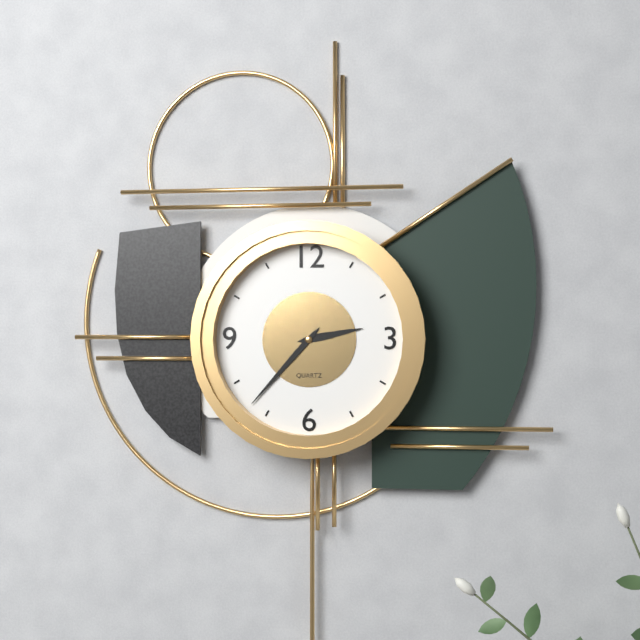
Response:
2h37
